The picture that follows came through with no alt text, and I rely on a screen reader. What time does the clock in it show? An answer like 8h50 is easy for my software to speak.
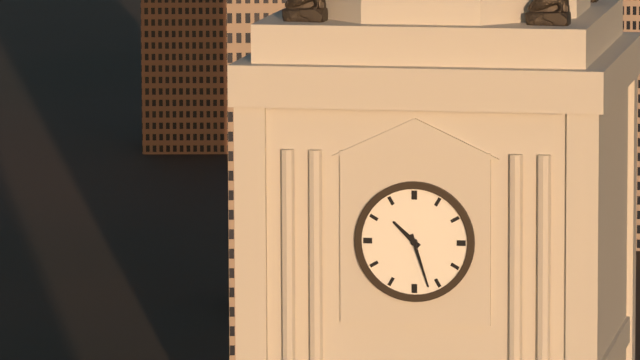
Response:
10h27
